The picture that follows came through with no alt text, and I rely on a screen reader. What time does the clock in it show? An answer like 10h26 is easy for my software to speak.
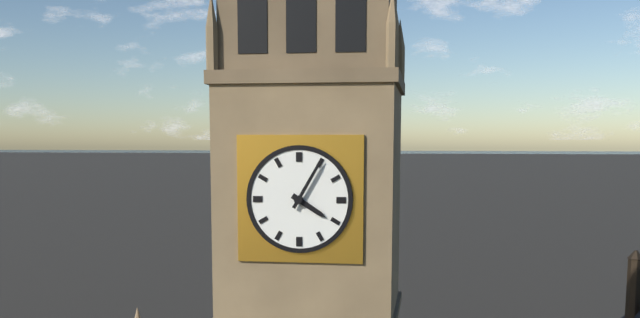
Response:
4h05
